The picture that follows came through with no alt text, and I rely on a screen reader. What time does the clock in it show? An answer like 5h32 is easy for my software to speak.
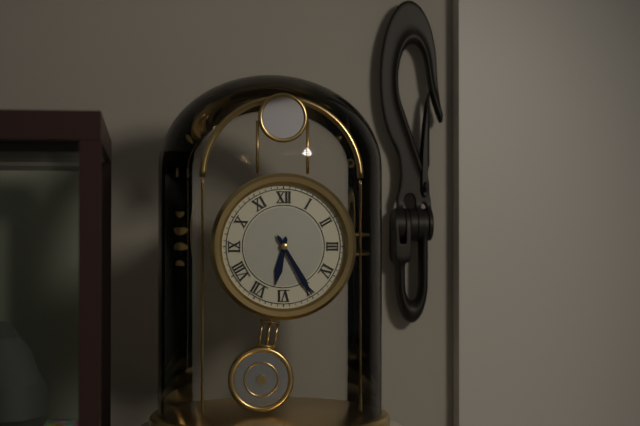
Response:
6h25
